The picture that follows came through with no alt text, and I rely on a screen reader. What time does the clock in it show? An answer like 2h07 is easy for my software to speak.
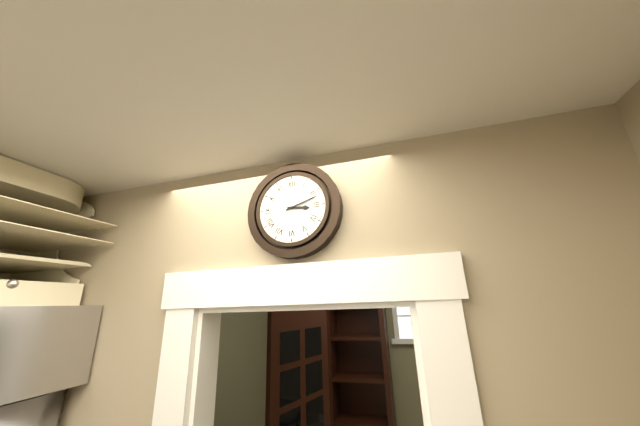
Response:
3h12
